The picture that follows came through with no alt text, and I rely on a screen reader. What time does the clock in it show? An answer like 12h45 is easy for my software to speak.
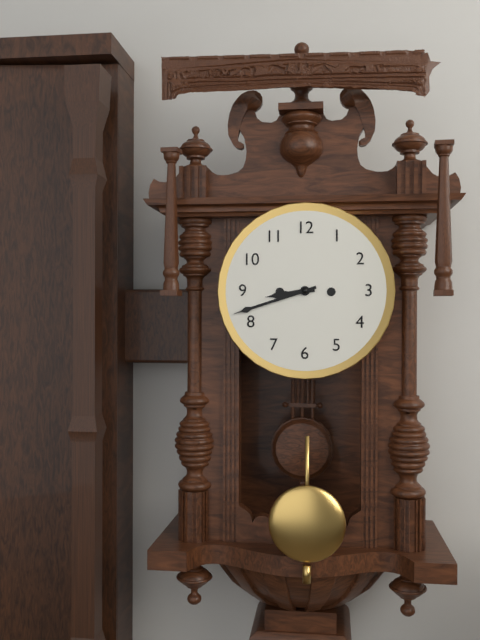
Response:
8h42
